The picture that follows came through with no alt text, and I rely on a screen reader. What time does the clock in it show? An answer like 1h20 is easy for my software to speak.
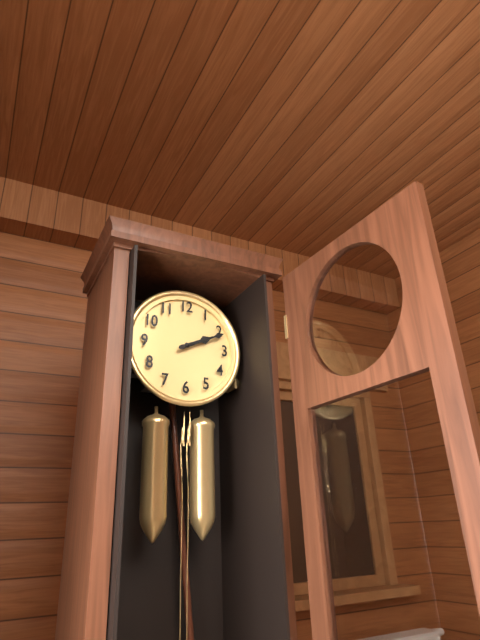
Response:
2h11
